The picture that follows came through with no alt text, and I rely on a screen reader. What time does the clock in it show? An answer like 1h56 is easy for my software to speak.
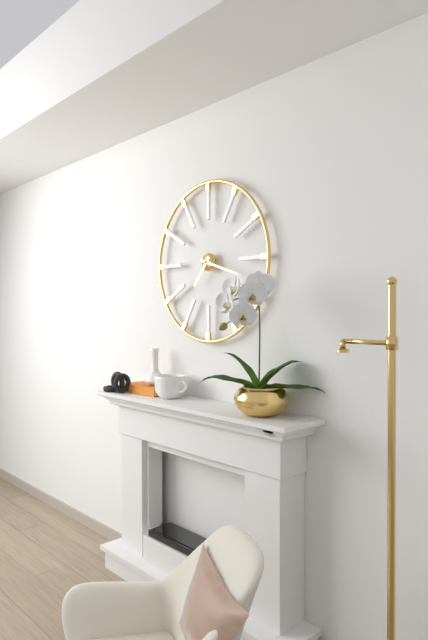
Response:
7h18
